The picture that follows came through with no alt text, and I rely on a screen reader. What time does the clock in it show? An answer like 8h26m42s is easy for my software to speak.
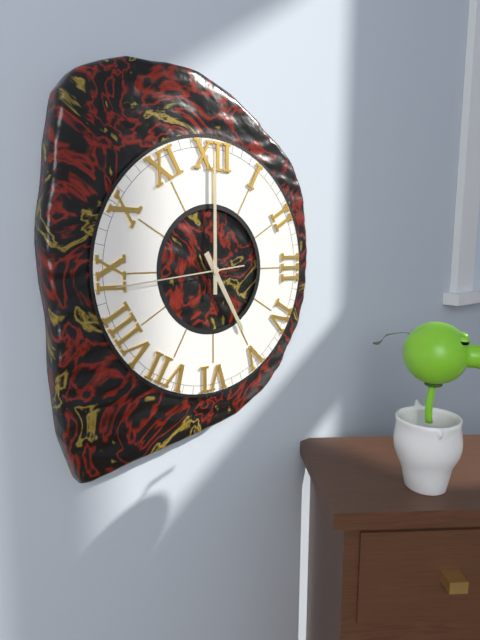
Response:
5h00m44s
